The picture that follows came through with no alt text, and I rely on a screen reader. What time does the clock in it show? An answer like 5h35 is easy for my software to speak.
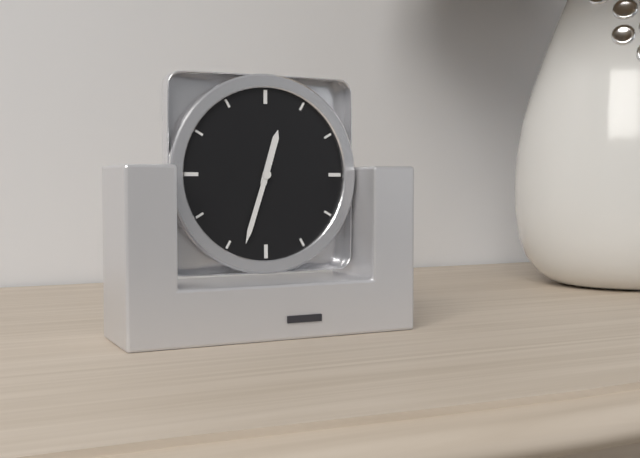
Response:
12h33
